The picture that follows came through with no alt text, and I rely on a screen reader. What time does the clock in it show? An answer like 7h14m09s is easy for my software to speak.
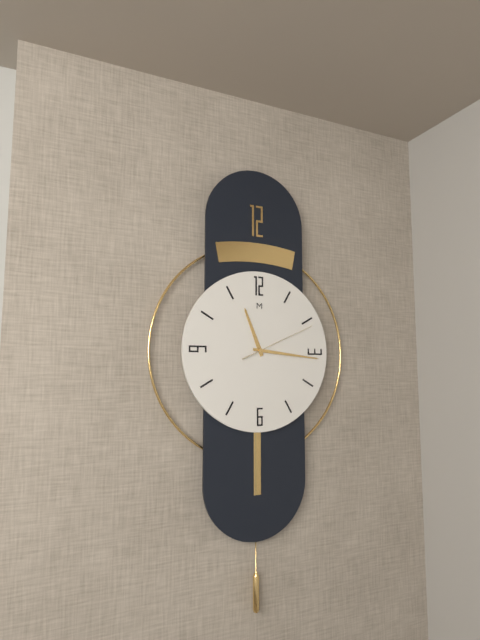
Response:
11h16m11s
